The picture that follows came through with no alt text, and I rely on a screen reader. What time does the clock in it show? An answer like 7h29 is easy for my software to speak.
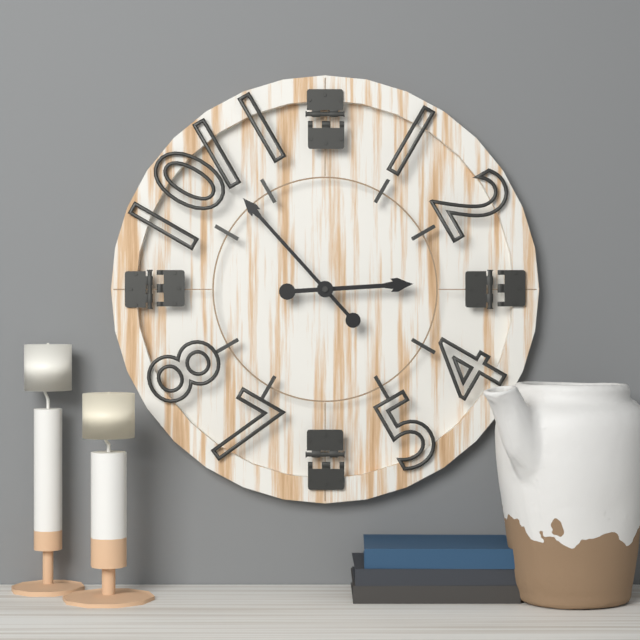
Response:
2h53
